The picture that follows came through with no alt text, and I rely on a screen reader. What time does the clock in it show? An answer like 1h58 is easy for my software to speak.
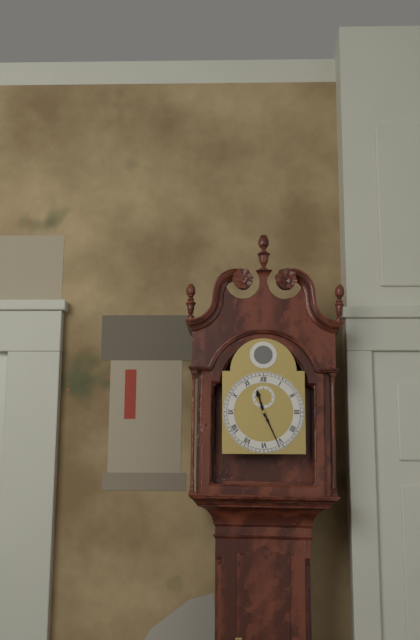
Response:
11h26
